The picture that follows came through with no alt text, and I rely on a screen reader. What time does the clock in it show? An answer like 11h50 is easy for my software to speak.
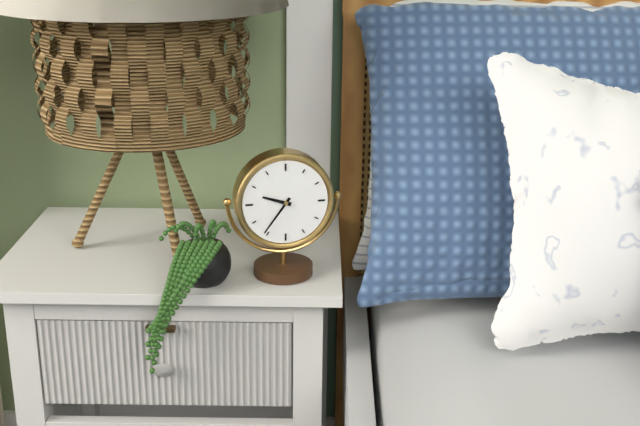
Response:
9h36
